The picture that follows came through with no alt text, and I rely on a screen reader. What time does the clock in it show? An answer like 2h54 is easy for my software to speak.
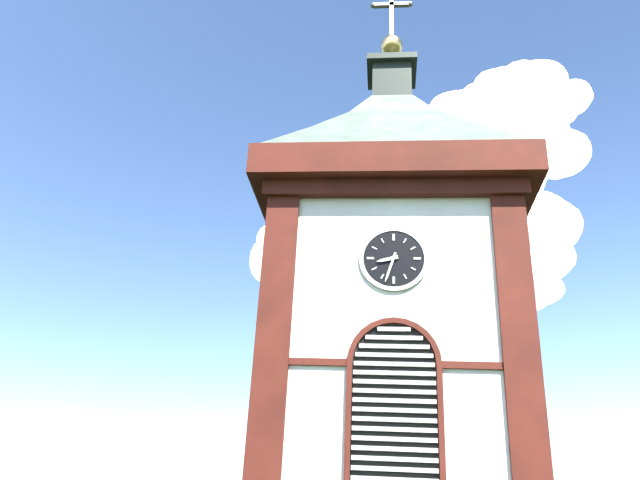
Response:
8h33
